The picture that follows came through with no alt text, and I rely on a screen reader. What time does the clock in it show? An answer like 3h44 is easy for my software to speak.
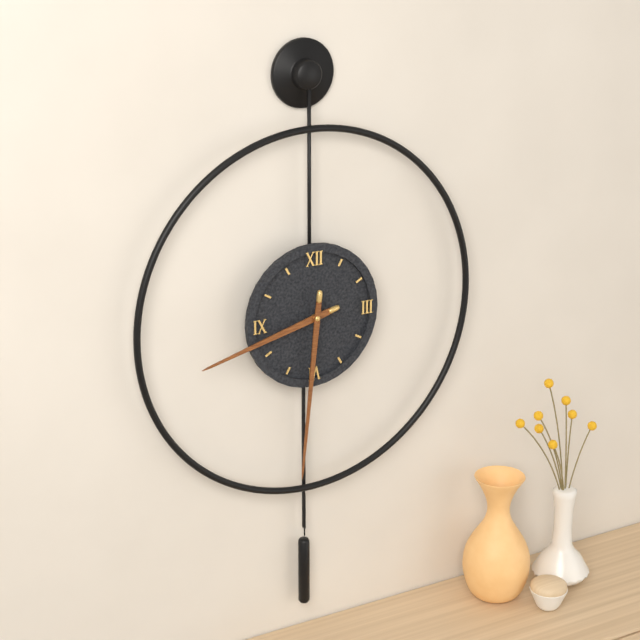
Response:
8h31
